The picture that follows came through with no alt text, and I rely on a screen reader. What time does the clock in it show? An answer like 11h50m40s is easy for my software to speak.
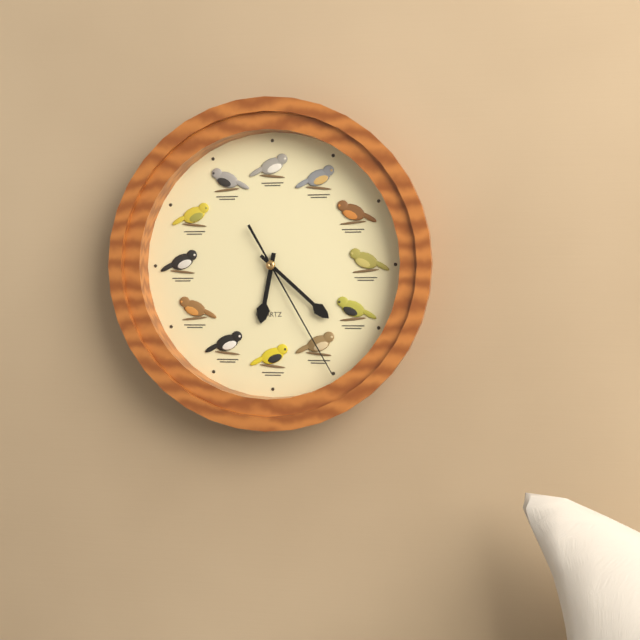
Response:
6h22m25s
